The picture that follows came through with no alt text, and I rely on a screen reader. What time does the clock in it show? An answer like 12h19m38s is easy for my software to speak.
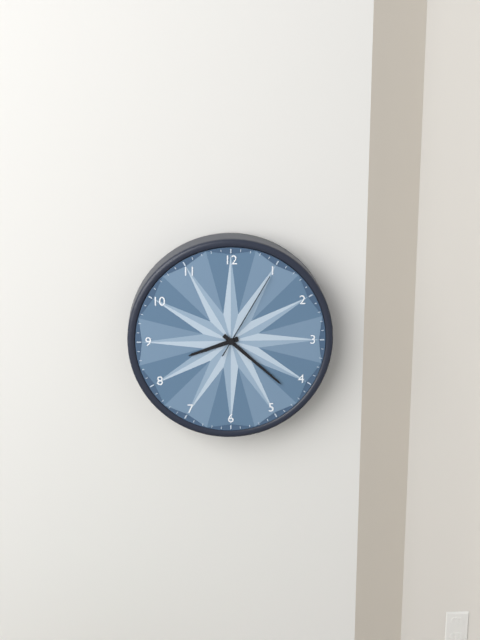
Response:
8h22m05s
